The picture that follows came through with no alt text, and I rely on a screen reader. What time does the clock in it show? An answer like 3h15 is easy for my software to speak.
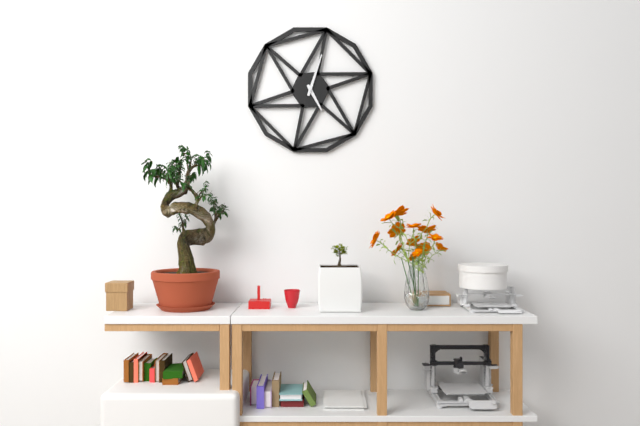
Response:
5h03
